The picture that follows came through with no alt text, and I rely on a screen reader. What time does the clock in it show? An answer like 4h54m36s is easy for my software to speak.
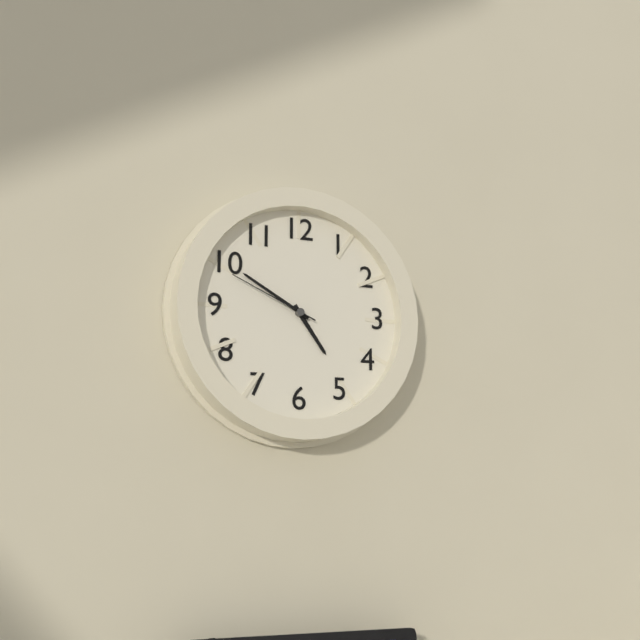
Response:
4h50m49s
